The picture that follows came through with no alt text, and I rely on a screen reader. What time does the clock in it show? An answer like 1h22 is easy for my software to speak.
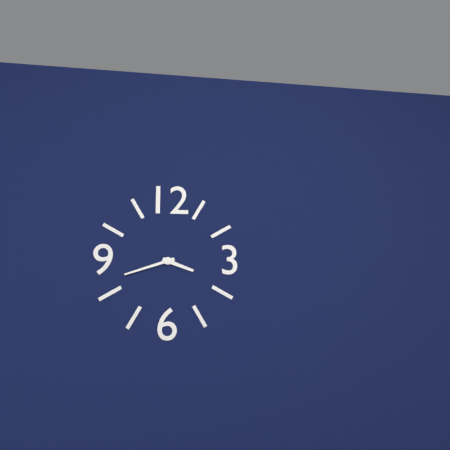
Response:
3h42
